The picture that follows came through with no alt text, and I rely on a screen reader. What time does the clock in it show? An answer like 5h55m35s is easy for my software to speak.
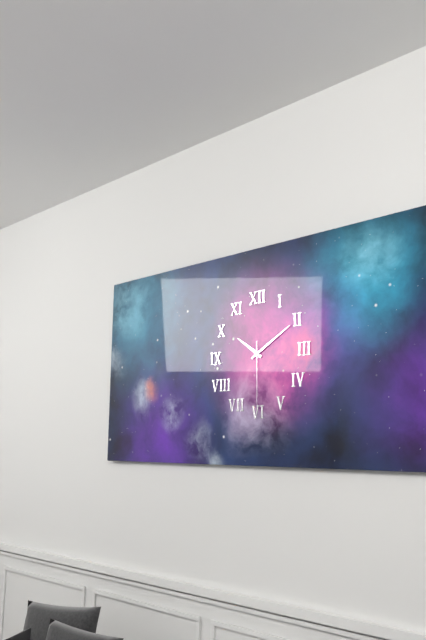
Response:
10h10m30s
